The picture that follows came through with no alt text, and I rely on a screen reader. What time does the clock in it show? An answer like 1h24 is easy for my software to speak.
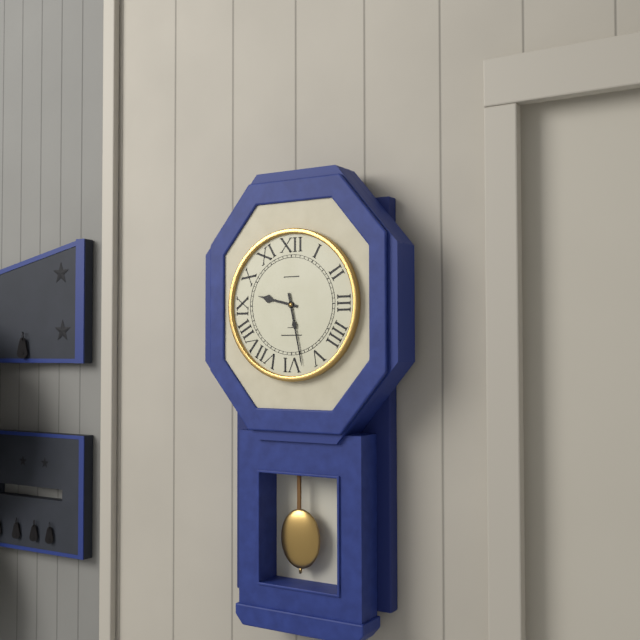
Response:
9h28
